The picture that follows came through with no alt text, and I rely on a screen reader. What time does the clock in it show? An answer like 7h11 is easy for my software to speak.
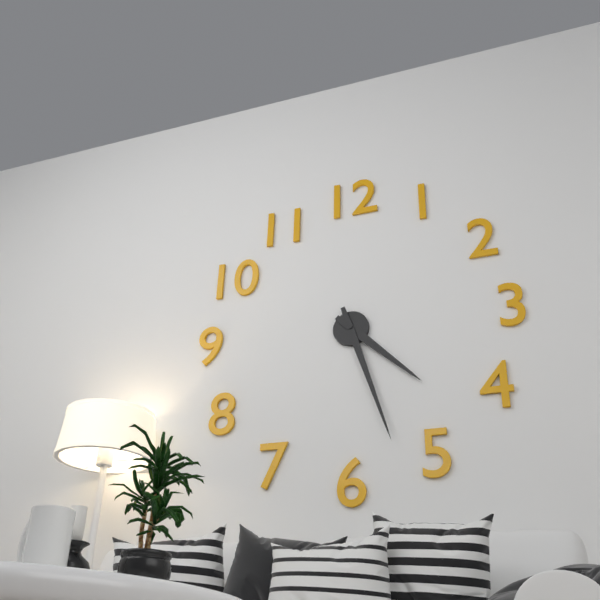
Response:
4h27
